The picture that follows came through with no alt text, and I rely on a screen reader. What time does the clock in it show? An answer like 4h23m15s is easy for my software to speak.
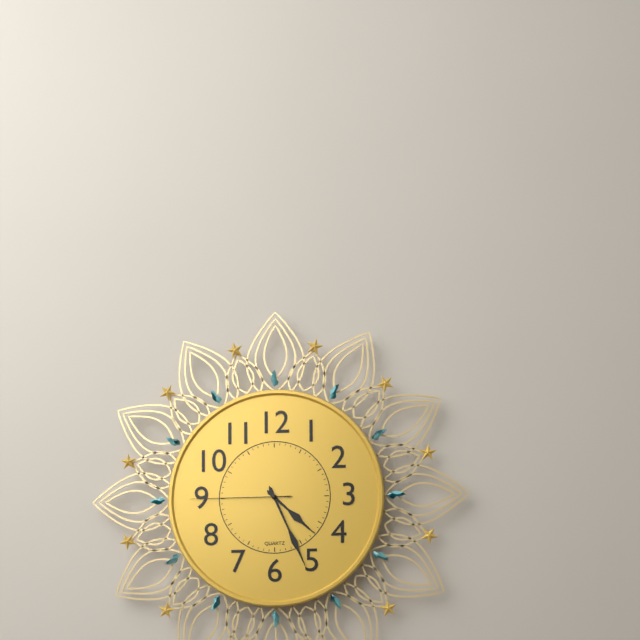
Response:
4h26m45s
